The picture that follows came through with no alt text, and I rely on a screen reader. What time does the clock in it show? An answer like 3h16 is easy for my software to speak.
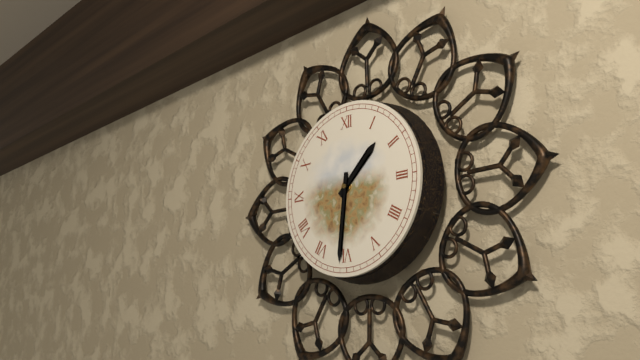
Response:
1h31
